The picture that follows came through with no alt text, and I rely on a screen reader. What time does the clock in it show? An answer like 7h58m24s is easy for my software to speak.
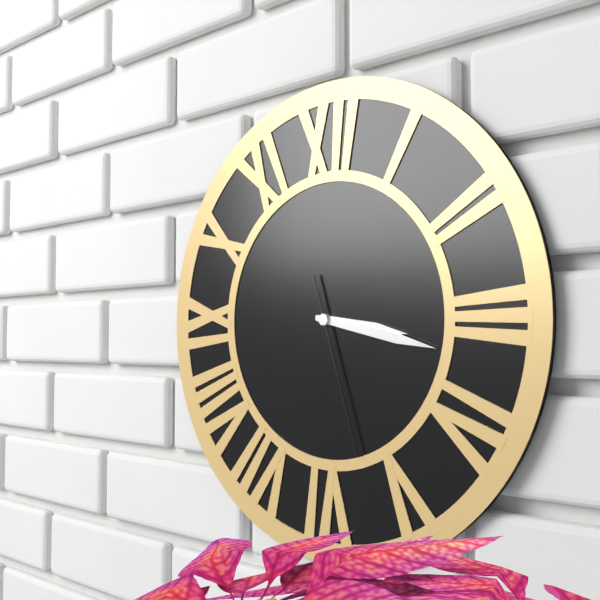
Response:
3h17m27s
